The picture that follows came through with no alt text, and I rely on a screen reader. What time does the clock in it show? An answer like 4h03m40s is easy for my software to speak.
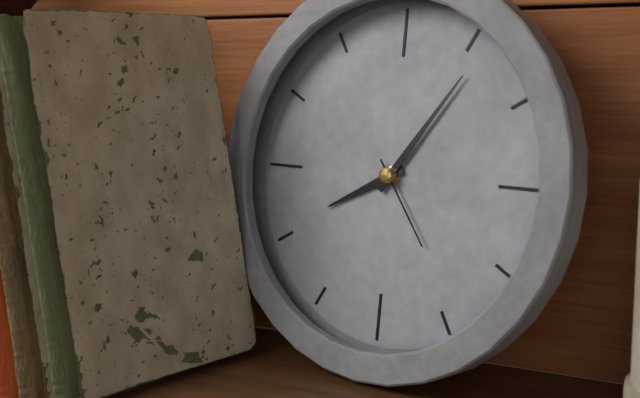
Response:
8h06m24s
